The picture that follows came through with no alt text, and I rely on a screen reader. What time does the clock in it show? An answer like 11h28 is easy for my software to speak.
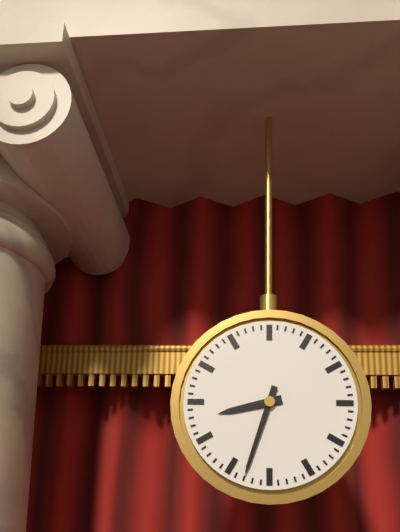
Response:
8h33
